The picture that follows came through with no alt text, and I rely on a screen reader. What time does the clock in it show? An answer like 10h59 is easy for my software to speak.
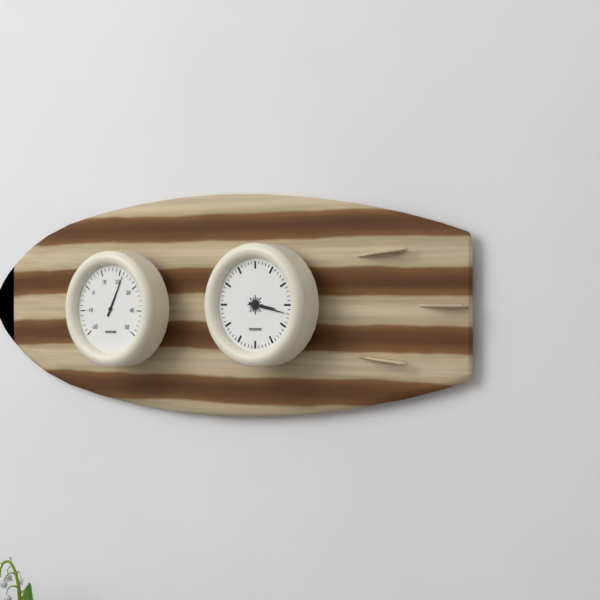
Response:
3h17
